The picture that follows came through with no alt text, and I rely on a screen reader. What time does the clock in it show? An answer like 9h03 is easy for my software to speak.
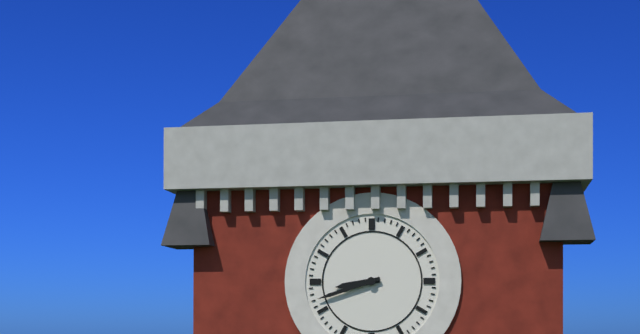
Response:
8h42
